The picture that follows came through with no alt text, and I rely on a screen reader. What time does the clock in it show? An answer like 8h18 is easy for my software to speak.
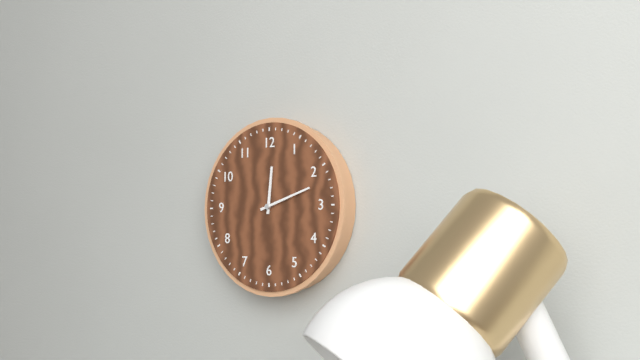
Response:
12h12
